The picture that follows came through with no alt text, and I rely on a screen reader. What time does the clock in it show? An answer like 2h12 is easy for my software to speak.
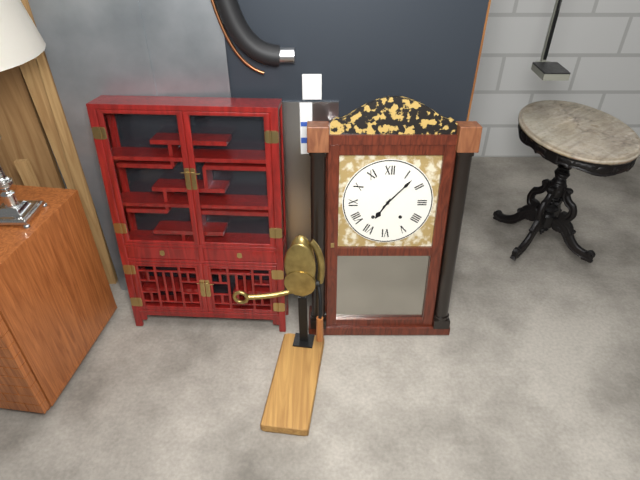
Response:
7h07
